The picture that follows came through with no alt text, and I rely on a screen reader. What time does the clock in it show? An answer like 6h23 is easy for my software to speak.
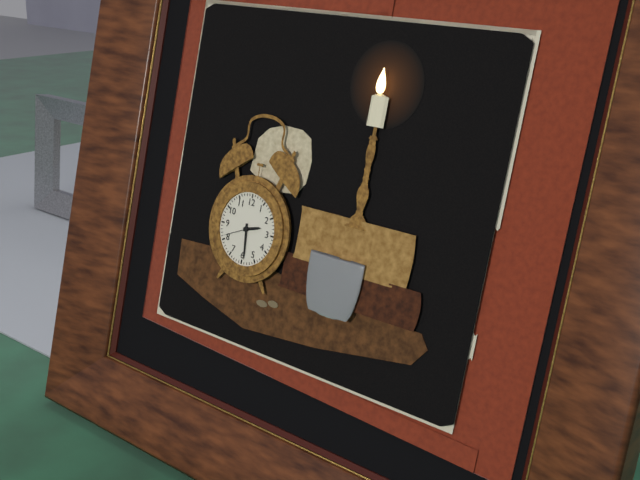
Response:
2h29
